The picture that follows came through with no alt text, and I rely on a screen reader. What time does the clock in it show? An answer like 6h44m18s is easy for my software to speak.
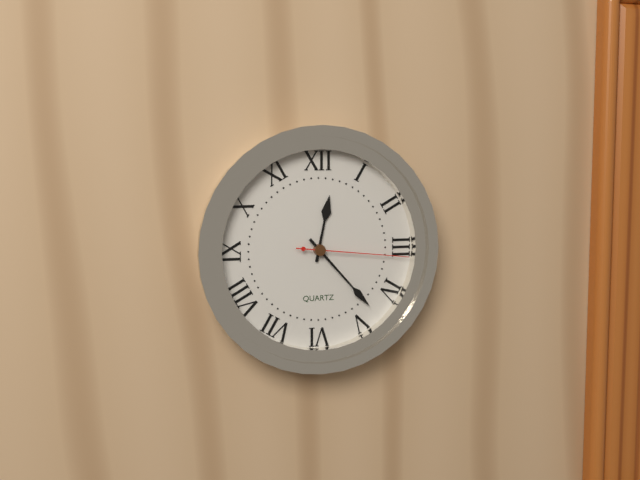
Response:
12h23m16s
